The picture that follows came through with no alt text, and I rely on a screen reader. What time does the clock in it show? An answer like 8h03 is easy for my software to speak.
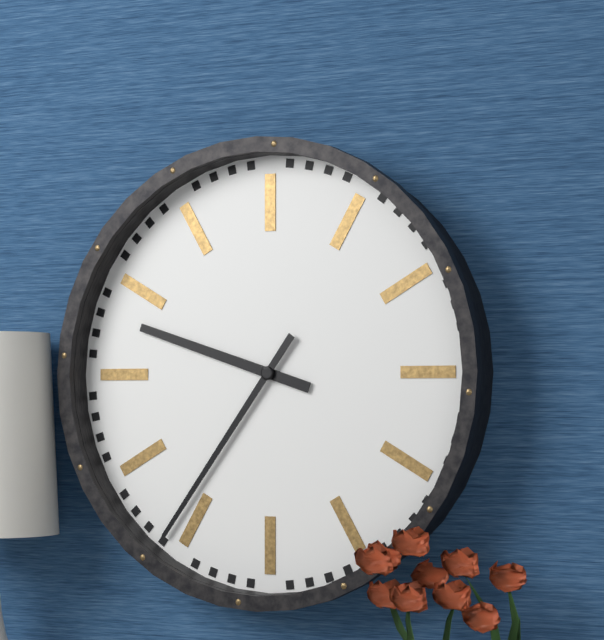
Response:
9h36
